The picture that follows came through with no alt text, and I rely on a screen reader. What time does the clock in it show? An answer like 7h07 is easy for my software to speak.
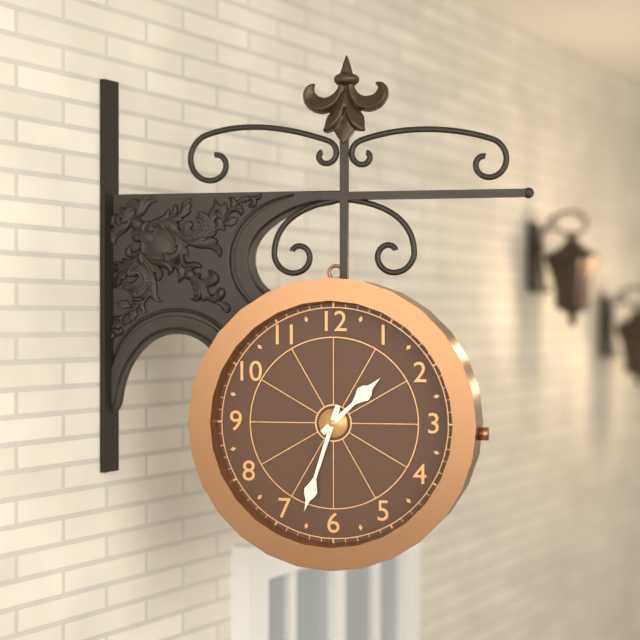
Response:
1h33
